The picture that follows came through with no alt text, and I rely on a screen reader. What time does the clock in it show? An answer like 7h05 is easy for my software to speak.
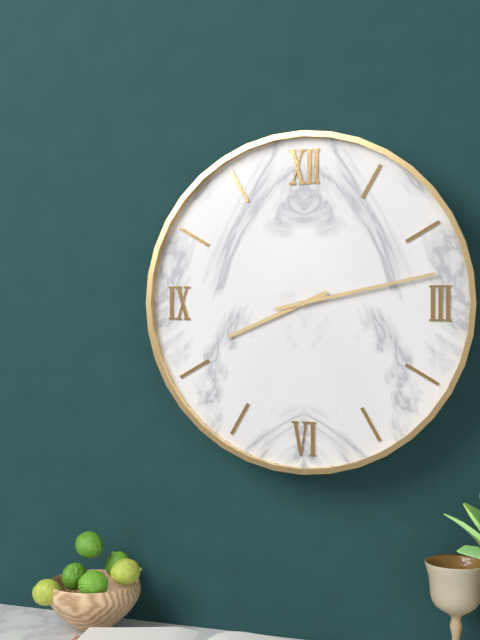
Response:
8h13
